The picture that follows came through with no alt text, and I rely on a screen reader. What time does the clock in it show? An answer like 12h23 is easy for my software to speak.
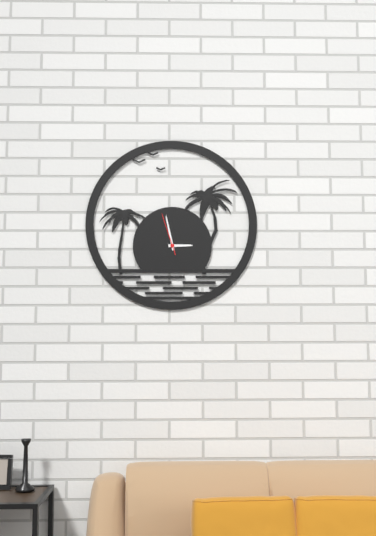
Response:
2h58
